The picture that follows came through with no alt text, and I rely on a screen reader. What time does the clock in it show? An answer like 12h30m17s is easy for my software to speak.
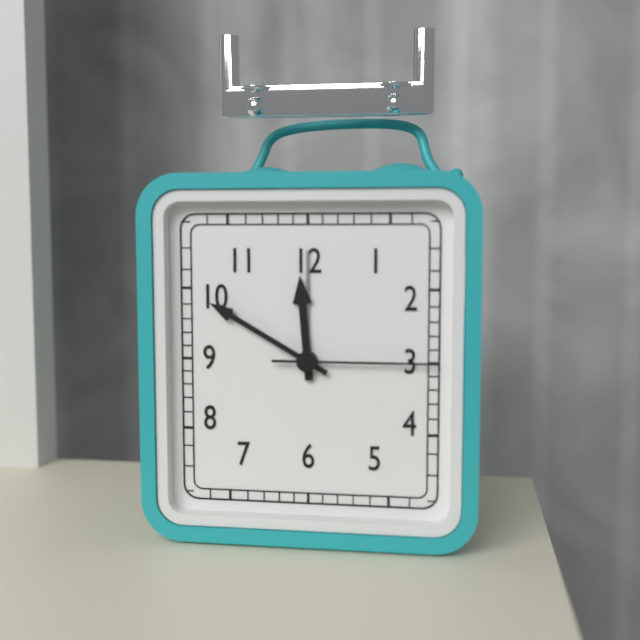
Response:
11h50m15s
